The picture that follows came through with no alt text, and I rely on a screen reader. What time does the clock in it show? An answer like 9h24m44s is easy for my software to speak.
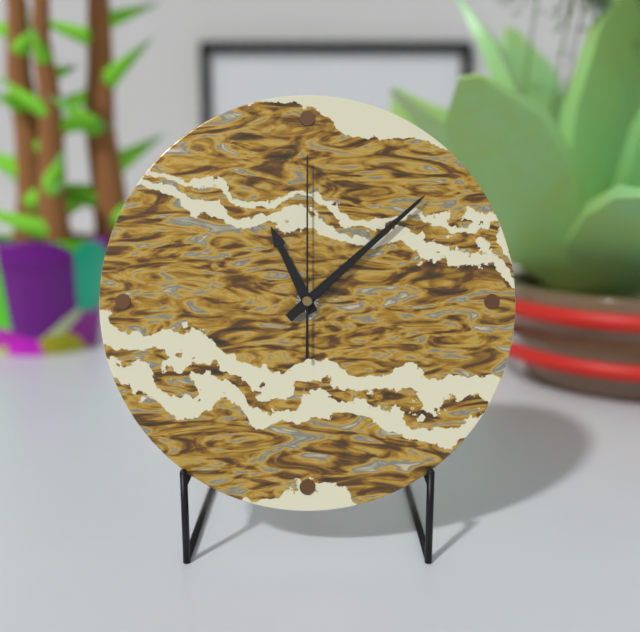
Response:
11h08m00s
